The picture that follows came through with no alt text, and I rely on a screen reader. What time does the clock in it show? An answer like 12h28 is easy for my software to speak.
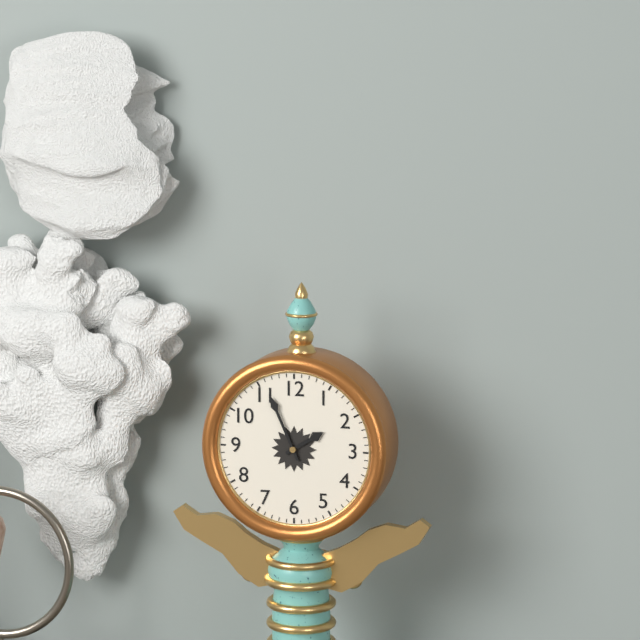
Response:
1h56
